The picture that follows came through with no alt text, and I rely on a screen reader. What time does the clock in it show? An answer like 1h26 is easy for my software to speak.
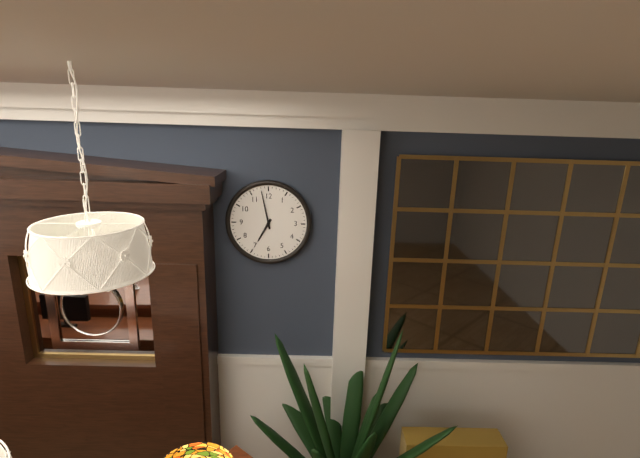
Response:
6h58
